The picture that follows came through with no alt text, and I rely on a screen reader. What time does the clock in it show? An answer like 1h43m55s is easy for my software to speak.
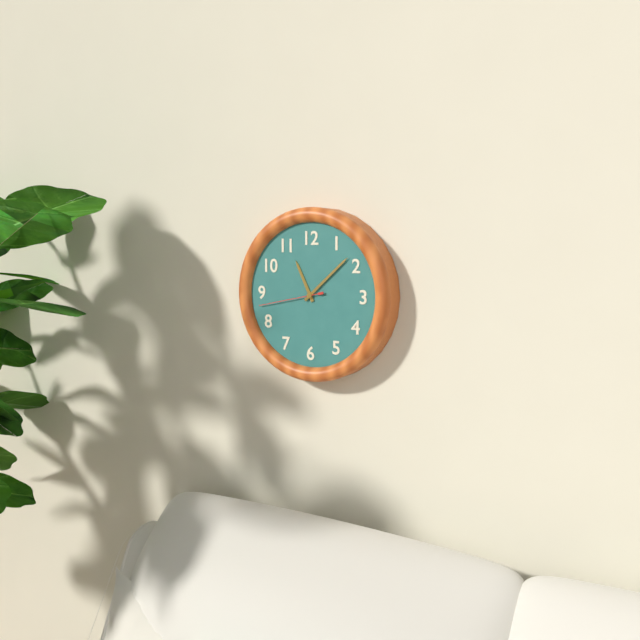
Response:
11h08m43s
